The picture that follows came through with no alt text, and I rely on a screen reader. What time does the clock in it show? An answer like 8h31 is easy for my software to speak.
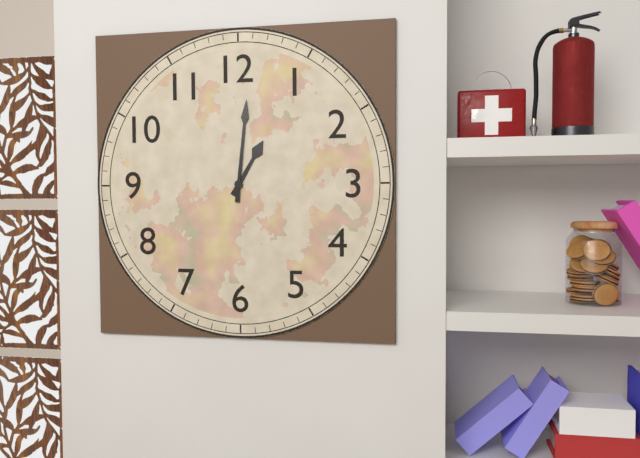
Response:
1h01
